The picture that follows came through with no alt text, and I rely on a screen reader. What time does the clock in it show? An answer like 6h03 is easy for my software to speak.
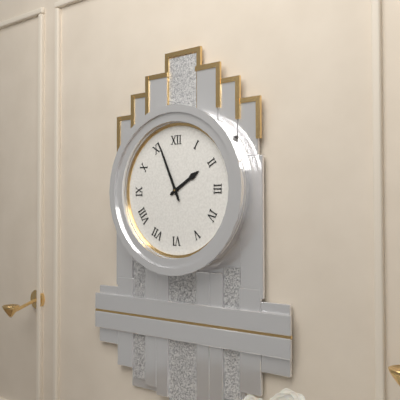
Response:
1h56
